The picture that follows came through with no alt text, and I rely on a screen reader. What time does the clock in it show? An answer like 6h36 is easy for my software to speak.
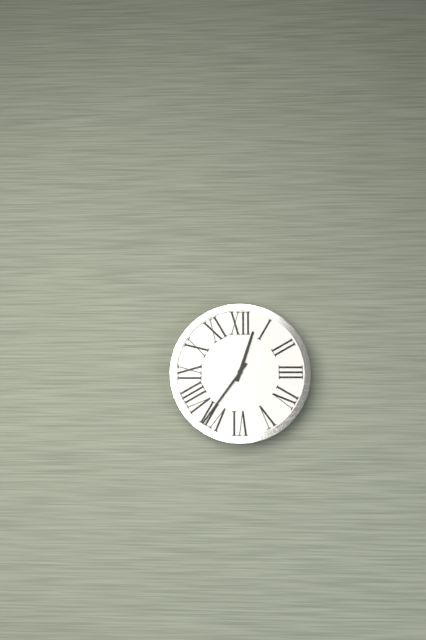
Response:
12h36
